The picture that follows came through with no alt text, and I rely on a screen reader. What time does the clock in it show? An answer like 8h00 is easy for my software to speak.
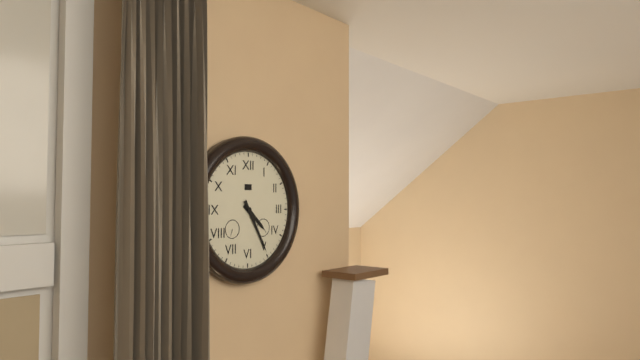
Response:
4h25
